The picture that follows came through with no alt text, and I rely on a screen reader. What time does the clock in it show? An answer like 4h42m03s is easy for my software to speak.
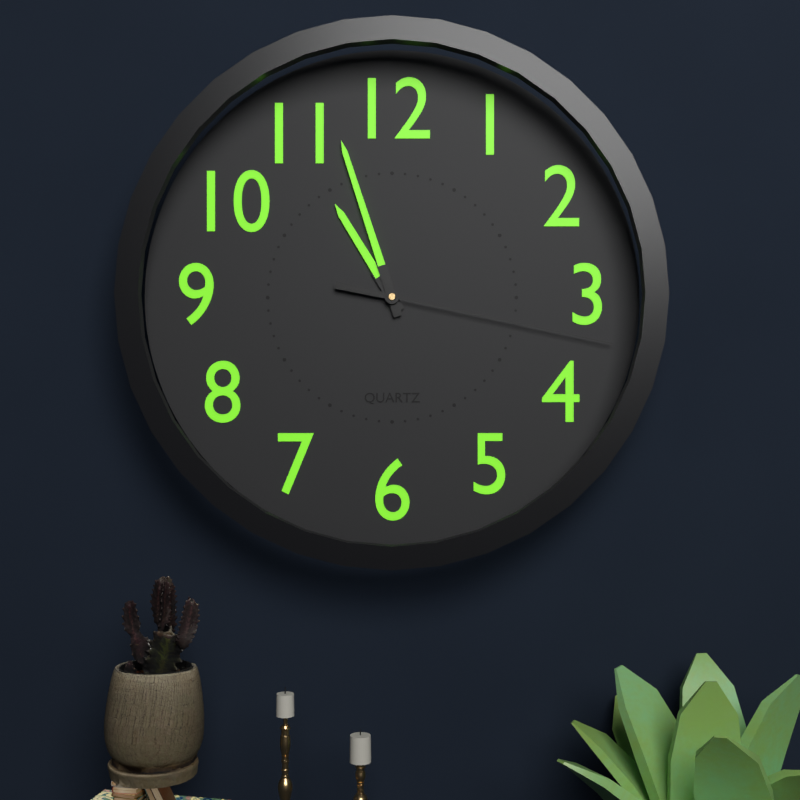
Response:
10h57m17s
